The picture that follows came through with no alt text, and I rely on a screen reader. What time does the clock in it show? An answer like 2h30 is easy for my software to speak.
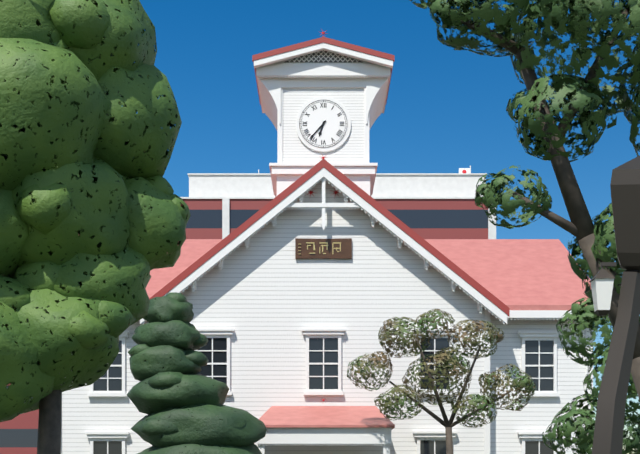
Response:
6h37
